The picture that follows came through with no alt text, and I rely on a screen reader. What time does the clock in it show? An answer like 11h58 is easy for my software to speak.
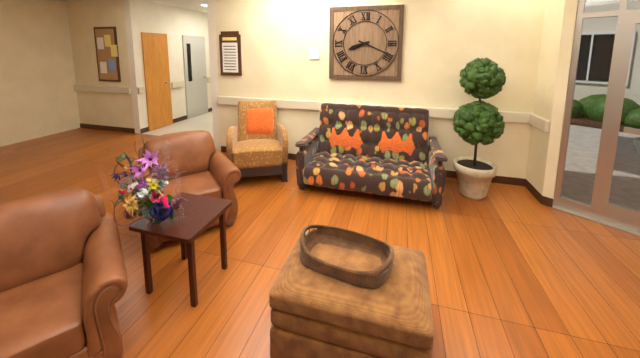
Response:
8h19
